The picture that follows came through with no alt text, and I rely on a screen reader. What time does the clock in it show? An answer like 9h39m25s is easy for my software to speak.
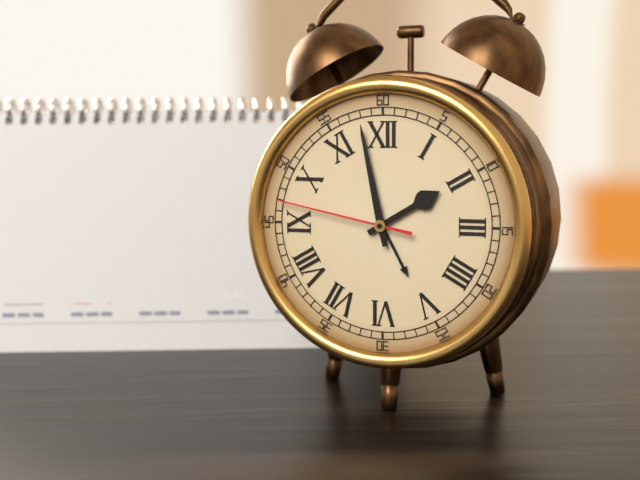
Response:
1h58m47s
